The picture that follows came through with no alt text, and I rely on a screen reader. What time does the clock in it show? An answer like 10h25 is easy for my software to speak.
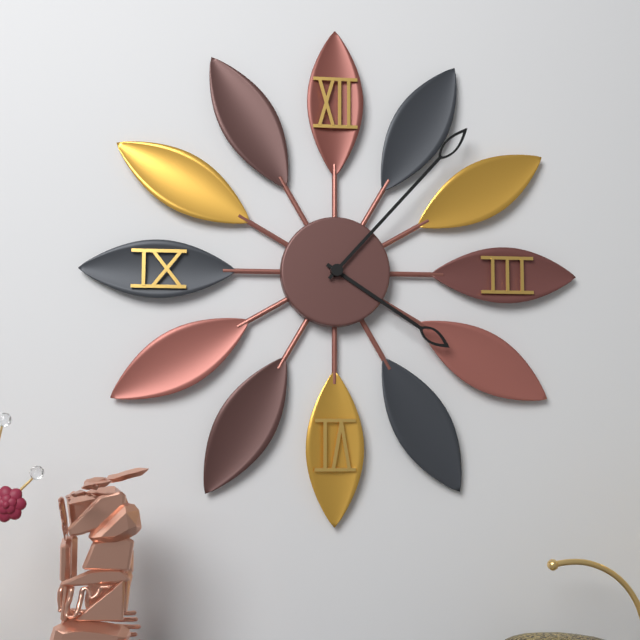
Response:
4h07
